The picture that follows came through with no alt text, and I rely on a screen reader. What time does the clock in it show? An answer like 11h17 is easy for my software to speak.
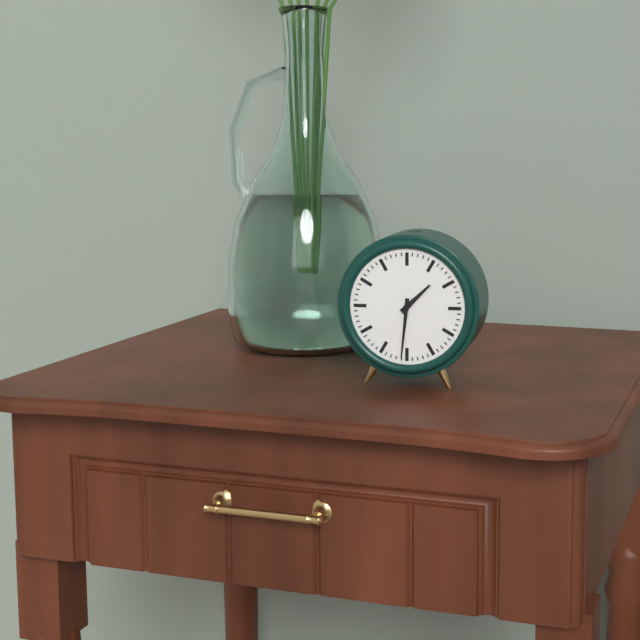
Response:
1h31
